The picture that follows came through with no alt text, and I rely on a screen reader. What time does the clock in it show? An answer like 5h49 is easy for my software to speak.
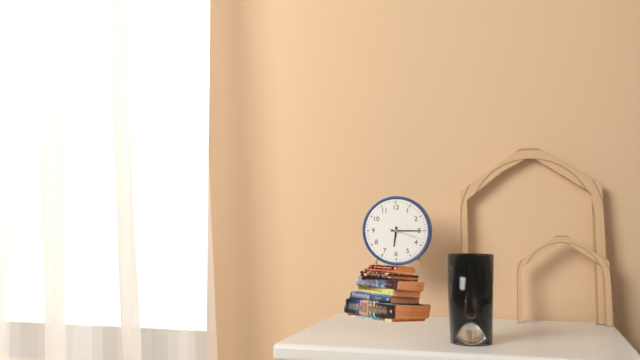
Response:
6h15
